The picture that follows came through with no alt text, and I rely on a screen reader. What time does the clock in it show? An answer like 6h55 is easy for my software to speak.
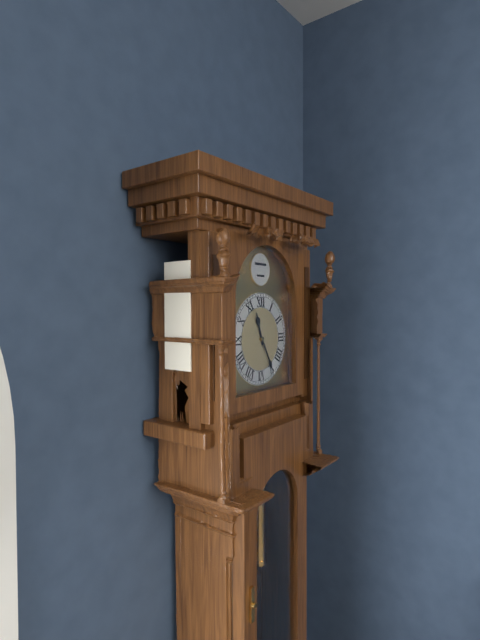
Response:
11h25
